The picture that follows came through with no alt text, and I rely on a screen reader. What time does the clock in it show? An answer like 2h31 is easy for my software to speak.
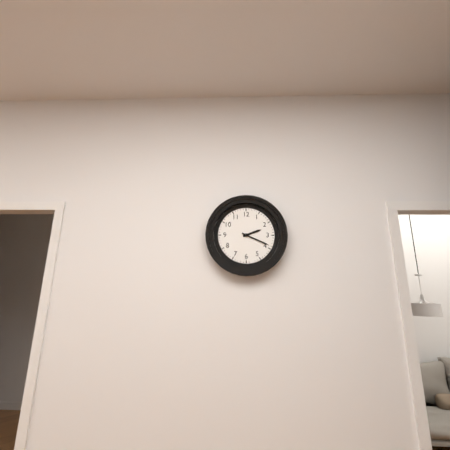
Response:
2h19
